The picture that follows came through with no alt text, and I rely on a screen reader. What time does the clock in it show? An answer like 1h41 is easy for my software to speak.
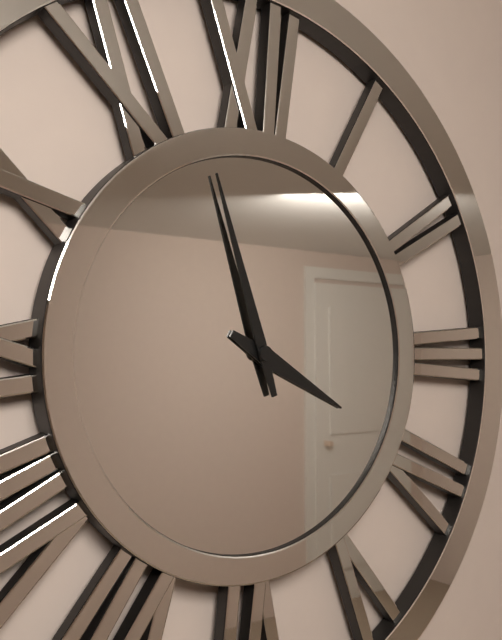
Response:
3h57
